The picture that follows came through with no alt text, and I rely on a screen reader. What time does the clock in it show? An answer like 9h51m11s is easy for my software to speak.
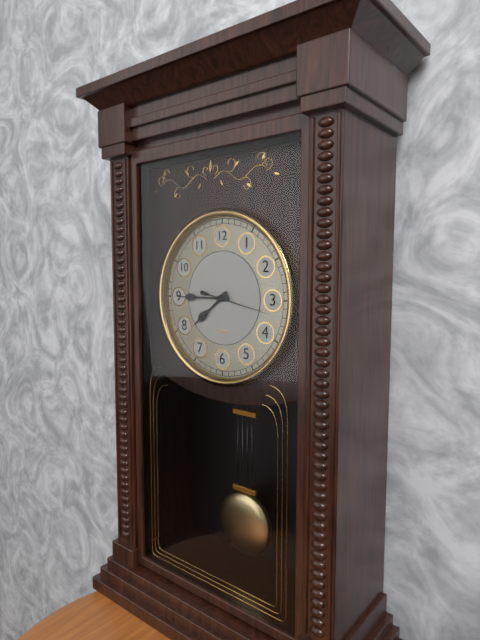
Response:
7h45m17s
